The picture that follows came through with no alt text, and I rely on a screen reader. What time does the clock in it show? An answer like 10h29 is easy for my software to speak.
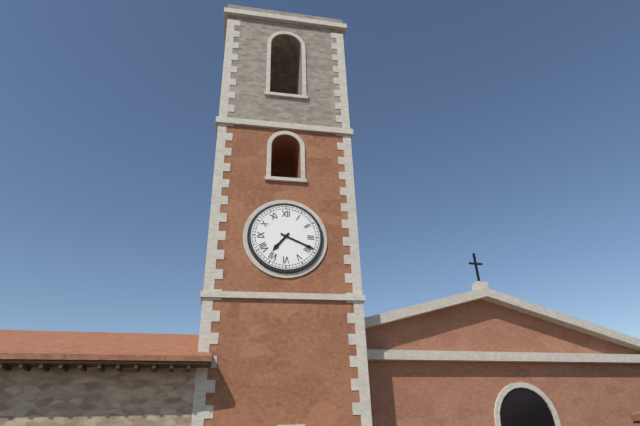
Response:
7h19
